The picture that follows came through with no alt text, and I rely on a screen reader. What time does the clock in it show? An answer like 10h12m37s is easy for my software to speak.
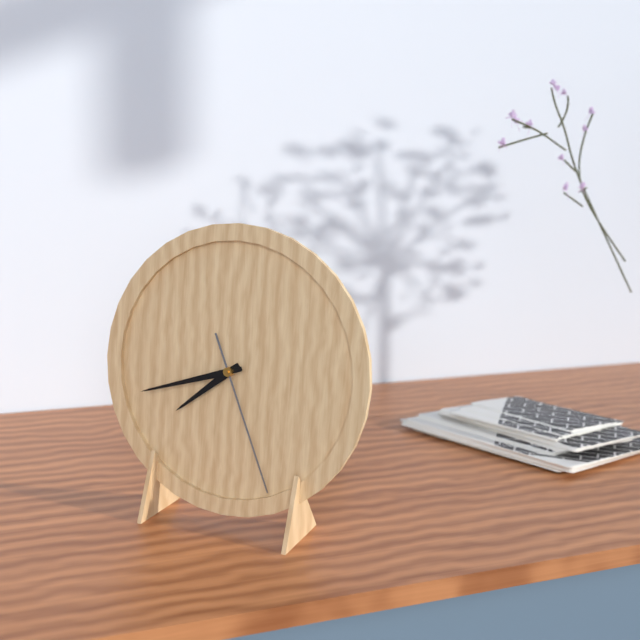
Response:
7h42m26s
